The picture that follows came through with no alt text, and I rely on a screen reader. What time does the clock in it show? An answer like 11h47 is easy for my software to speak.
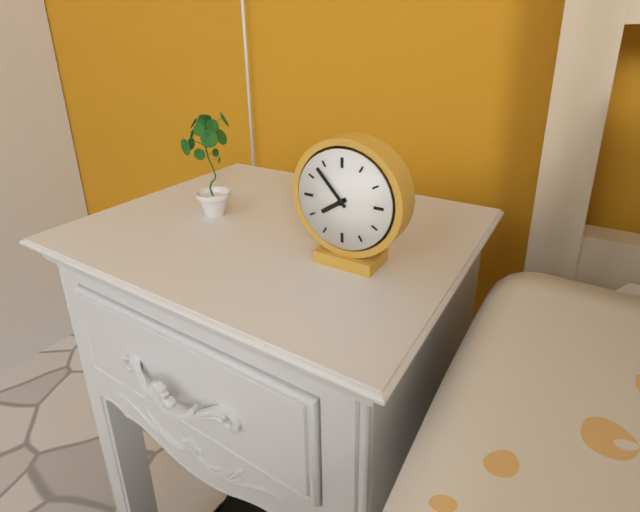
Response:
7h53
